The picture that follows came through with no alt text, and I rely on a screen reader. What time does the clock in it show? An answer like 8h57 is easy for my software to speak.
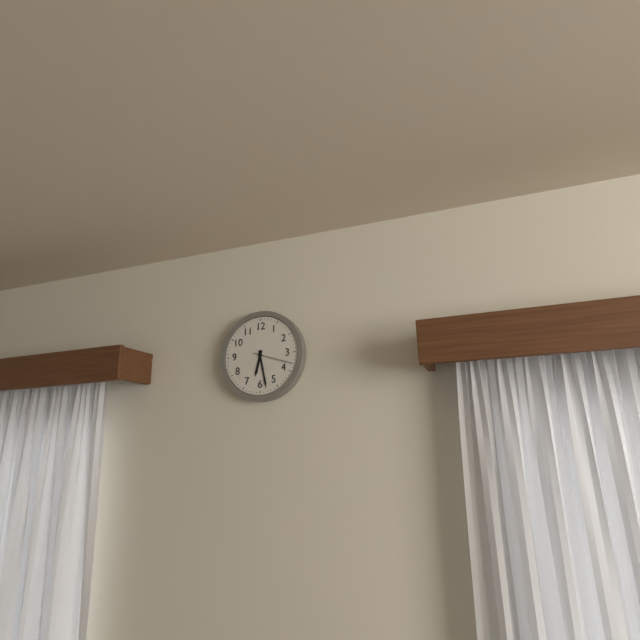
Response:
6h28
